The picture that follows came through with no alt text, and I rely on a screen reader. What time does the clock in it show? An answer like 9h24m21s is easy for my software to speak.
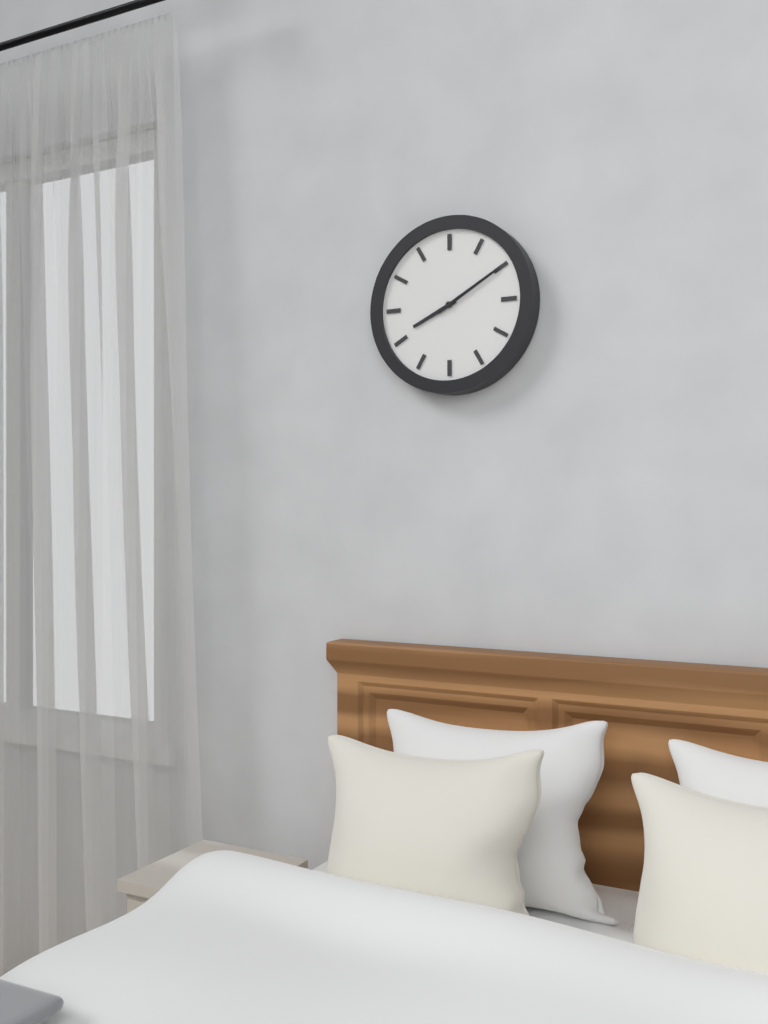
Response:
8h10m10s
